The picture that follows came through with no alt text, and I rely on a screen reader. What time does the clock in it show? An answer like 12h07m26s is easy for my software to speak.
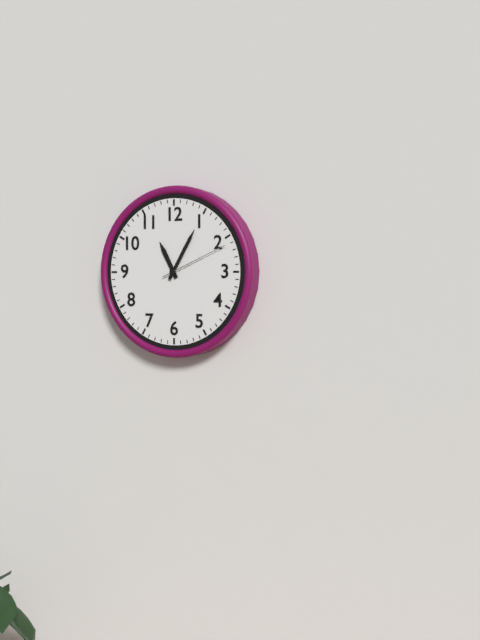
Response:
11h05m11s
